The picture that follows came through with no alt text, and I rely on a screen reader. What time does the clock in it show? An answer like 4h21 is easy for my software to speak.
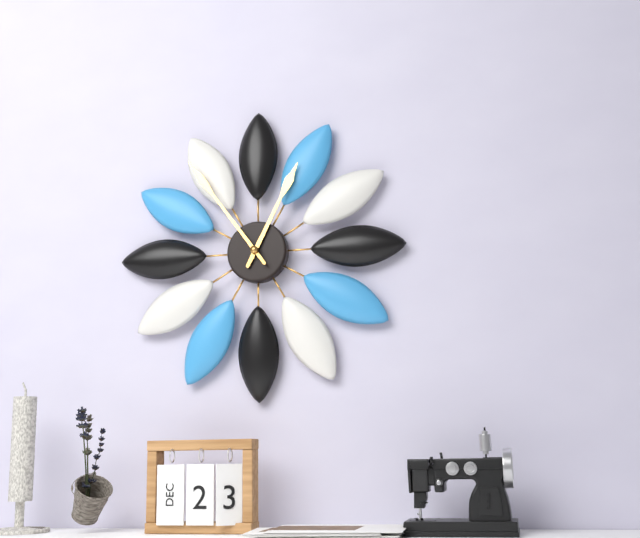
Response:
12h54
